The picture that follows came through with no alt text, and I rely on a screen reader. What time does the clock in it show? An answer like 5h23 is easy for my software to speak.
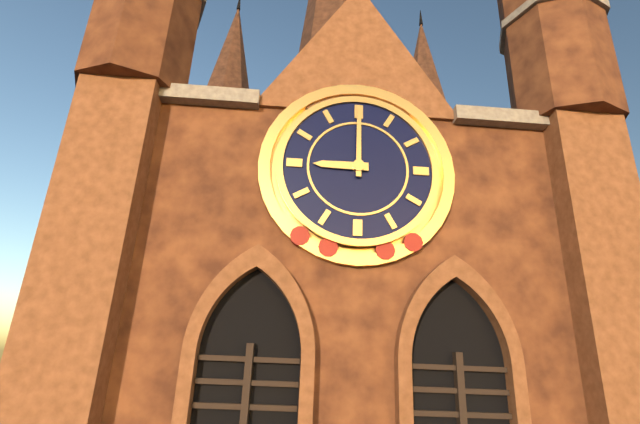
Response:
9h00
